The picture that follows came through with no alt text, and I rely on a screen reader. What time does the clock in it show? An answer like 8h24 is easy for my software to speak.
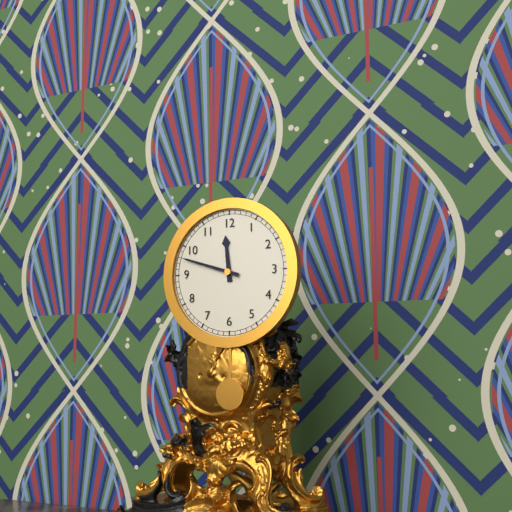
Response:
11h48
